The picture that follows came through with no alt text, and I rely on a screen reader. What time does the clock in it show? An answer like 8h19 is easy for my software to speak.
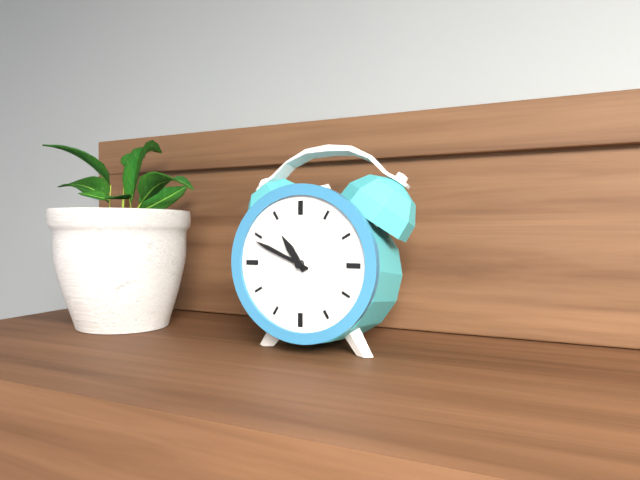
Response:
10h49
